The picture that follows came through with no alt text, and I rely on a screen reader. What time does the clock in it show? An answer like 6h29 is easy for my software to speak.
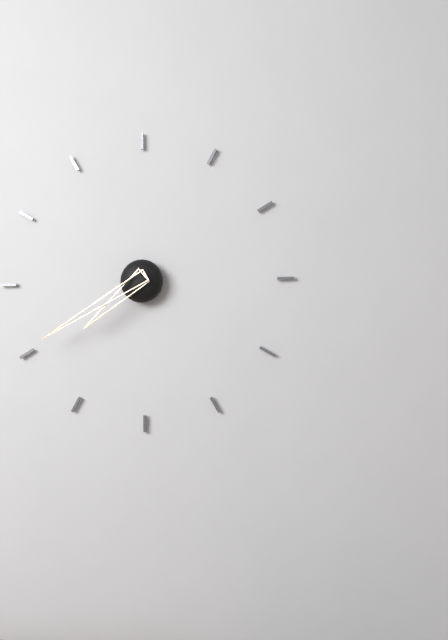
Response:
7h40
